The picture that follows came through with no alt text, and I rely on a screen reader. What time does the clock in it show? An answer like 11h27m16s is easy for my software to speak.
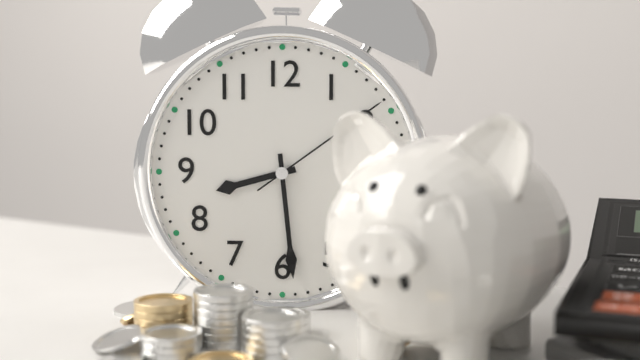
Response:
8h29m09s
